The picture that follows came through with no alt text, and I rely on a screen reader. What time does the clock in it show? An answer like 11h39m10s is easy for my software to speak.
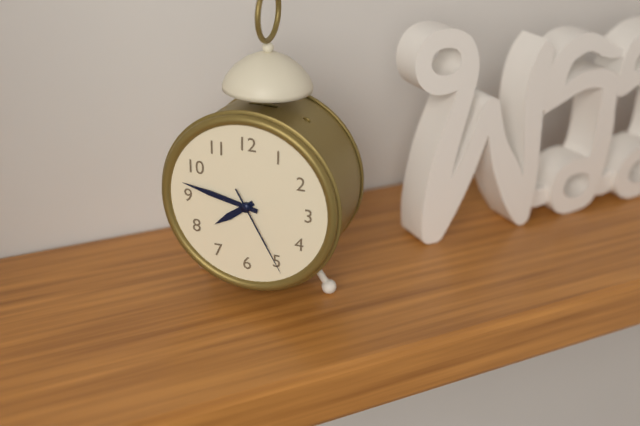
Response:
7h47m25s
